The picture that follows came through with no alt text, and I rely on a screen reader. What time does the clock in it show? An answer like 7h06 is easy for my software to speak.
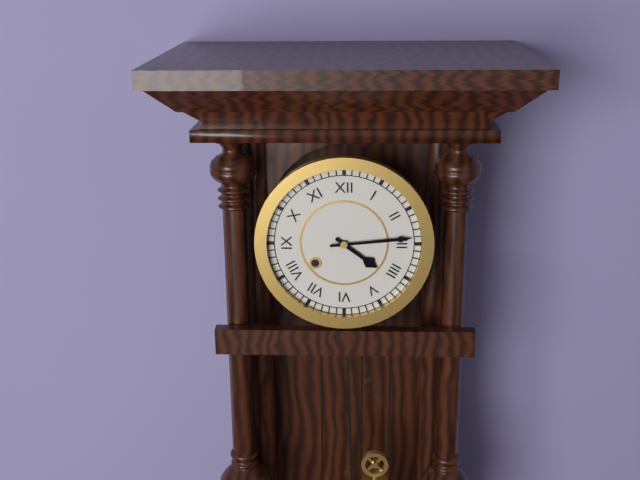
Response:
4h14
